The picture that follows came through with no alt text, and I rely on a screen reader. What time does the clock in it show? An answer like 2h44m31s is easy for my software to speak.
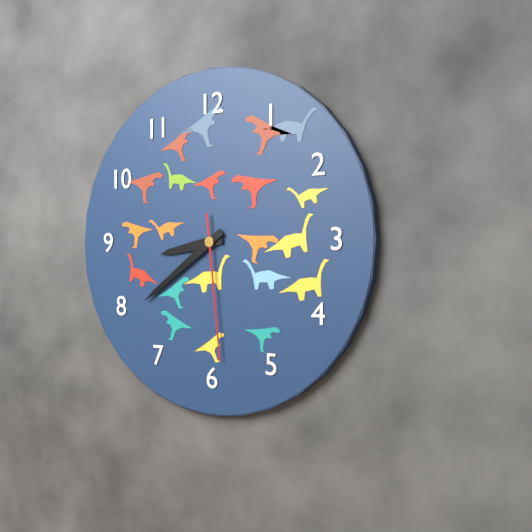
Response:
8h39m29s
